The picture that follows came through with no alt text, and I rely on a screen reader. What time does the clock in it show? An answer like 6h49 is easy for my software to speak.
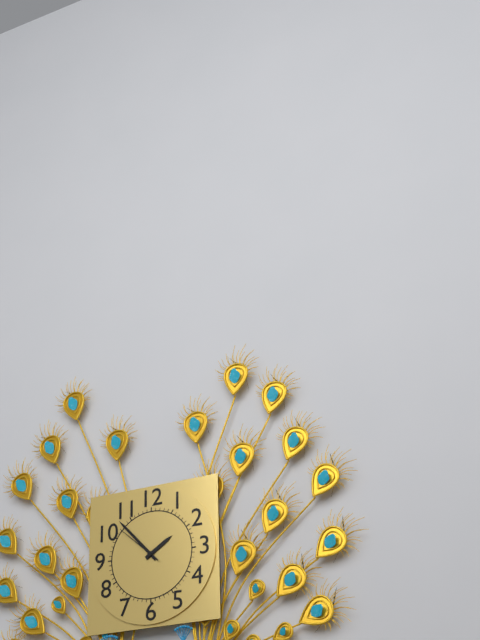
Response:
1h53
